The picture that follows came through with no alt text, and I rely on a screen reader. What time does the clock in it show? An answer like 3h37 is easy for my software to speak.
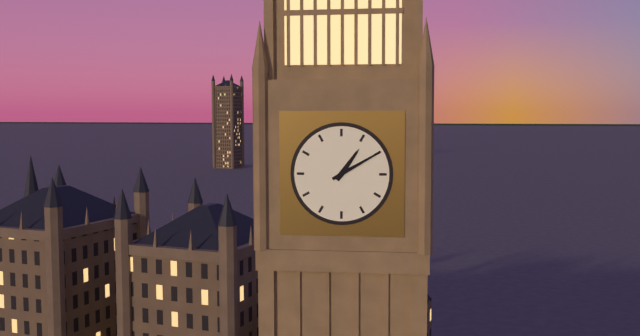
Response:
1h10
